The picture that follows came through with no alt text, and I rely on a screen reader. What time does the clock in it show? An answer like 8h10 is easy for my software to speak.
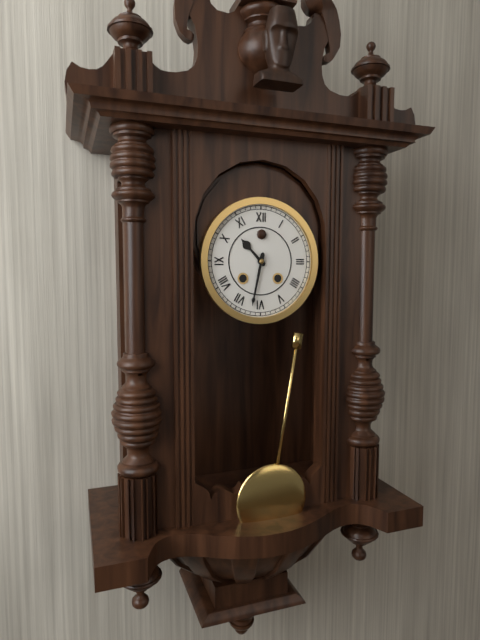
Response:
10h32
